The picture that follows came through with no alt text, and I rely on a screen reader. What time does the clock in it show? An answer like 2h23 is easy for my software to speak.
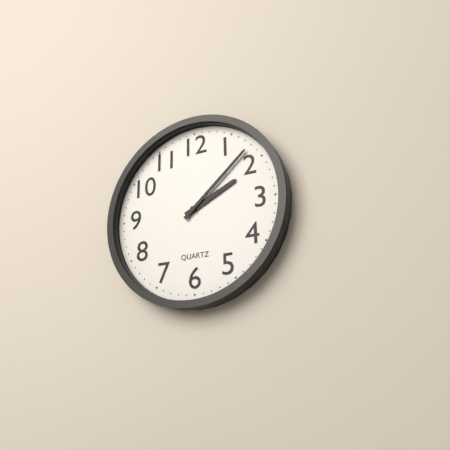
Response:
2h08
